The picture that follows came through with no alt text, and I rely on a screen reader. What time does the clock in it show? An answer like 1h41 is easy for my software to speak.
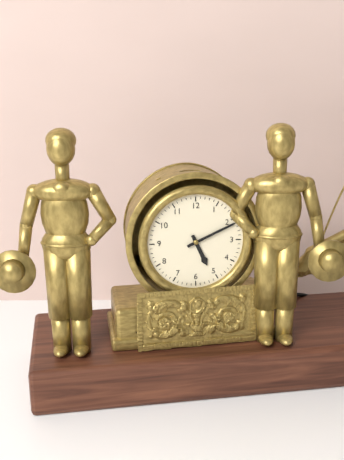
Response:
5h11
